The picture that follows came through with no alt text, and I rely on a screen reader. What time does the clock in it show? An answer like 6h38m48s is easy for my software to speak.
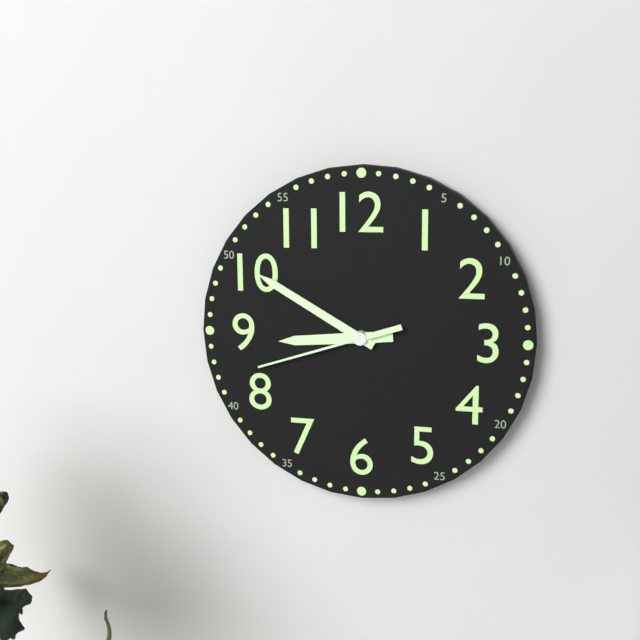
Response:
8h50m42s
